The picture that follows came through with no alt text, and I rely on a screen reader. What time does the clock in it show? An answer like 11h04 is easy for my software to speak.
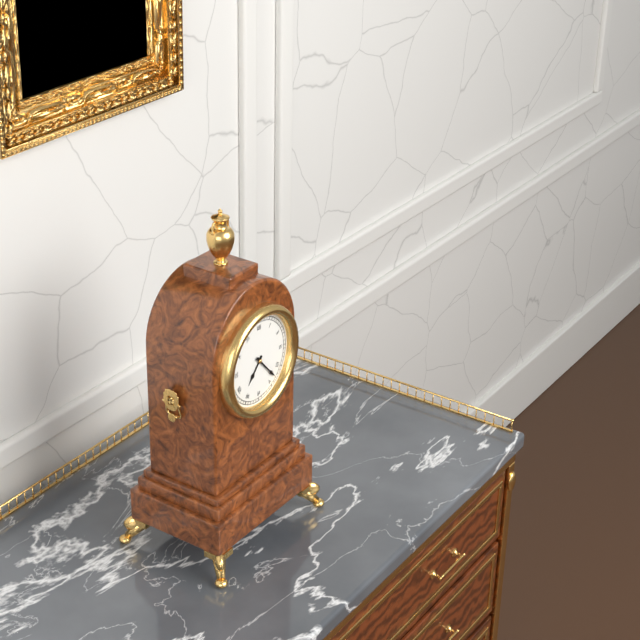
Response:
7h23
